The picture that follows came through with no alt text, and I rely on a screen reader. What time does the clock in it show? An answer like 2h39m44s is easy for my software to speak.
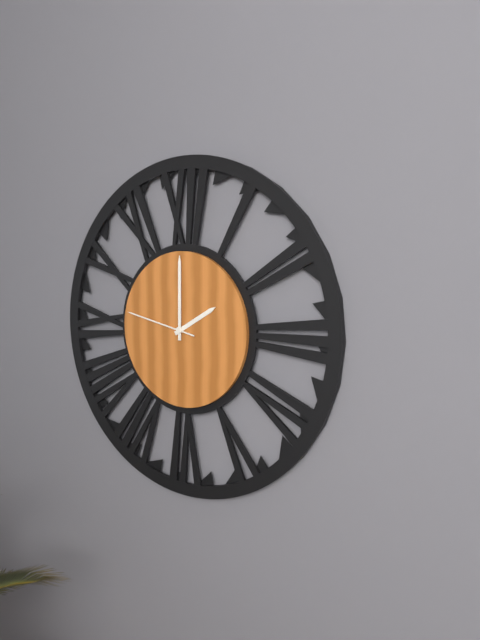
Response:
2h00m47s
